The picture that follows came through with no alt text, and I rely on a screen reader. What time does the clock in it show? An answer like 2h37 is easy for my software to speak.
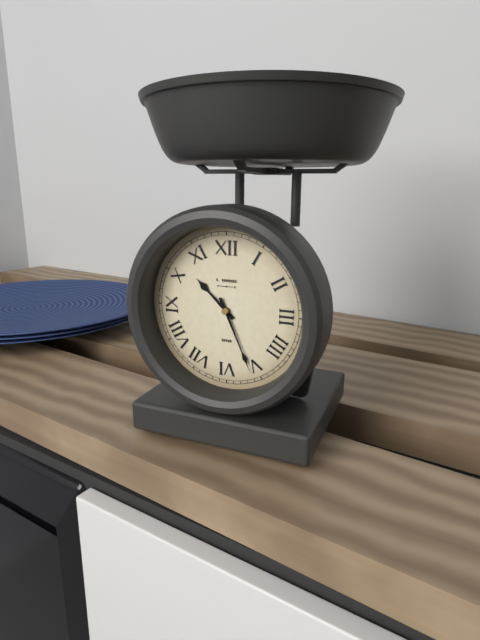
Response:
10h26
